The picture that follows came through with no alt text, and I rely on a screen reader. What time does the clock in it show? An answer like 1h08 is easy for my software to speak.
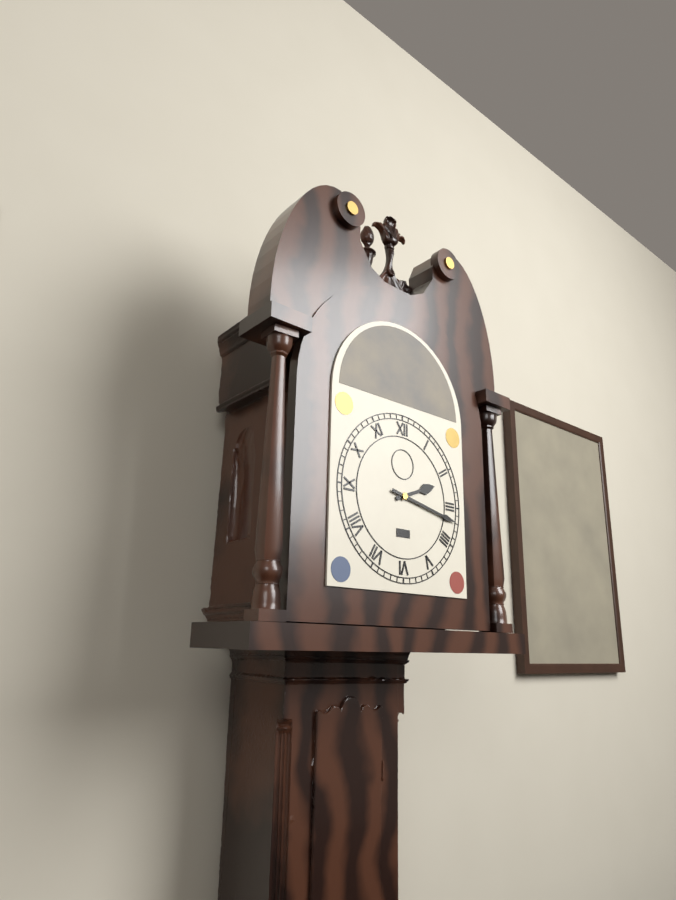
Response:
2h17
